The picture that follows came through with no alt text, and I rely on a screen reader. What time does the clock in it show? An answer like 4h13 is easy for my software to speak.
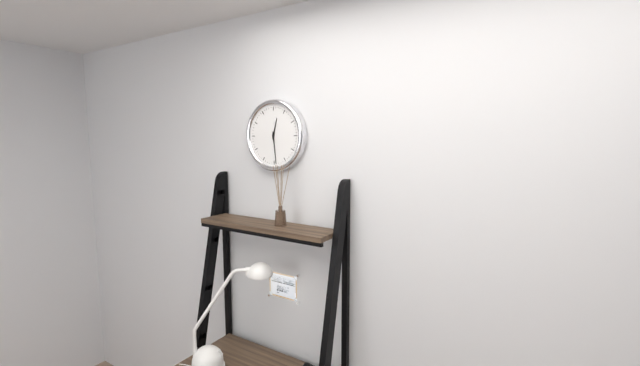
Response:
12h29
